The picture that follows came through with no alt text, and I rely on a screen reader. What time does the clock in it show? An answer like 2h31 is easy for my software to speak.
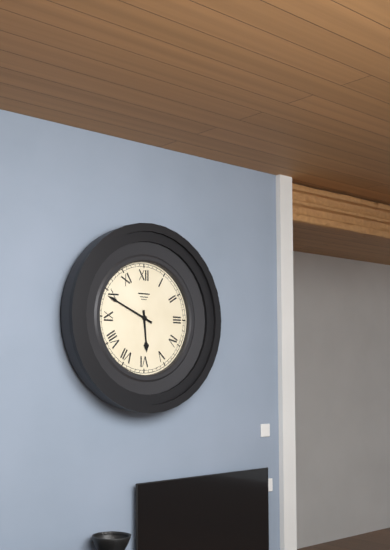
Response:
5h49
